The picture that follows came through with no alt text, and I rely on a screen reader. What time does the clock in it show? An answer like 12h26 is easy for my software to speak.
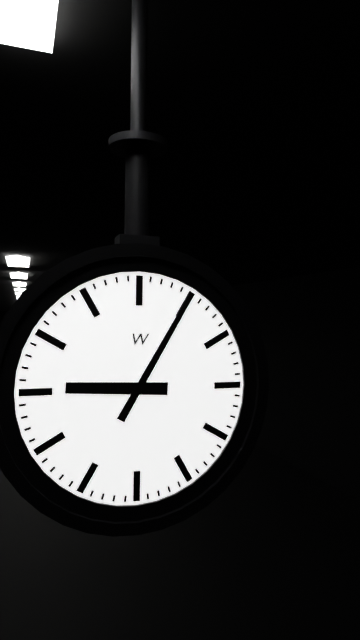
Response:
9h05
